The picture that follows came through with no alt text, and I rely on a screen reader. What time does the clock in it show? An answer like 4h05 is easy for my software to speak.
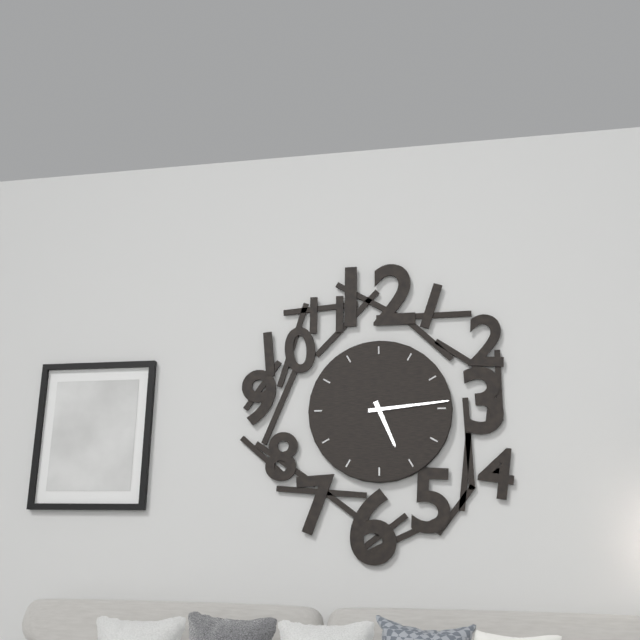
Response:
5h14
